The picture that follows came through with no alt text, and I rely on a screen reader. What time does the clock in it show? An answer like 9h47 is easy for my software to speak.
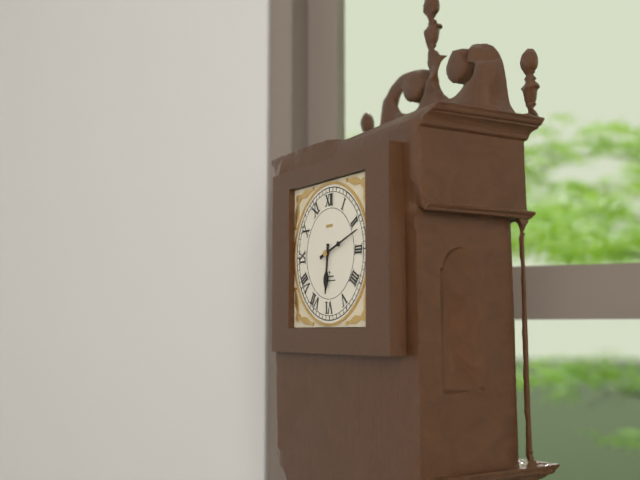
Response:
6h12
